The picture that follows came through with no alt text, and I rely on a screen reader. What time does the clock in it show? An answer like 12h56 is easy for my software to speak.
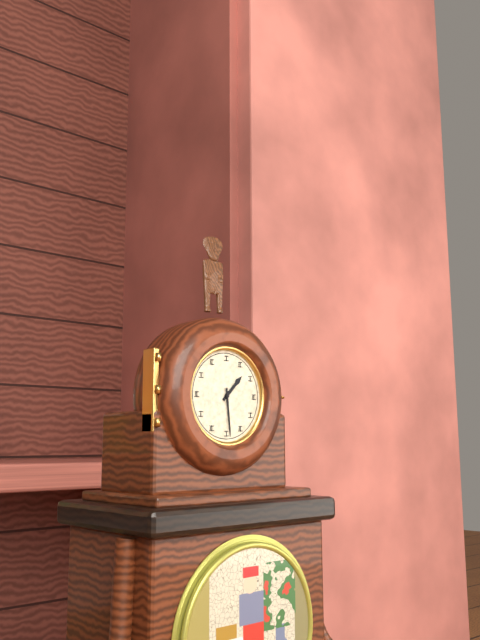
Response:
1h29
